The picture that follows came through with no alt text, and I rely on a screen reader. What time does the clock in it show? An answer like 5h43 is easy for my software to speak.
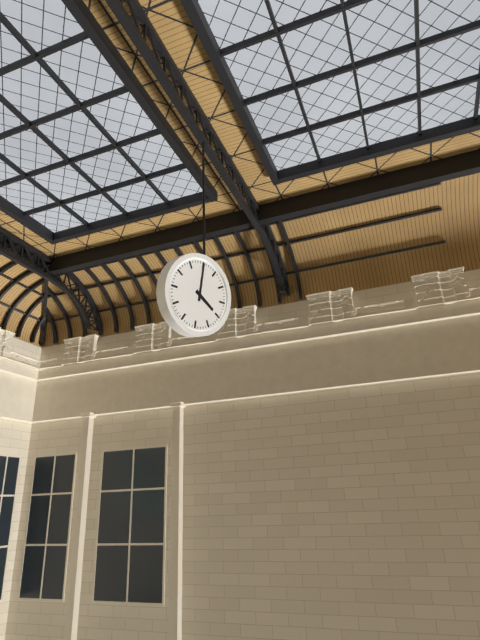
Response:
4h00
